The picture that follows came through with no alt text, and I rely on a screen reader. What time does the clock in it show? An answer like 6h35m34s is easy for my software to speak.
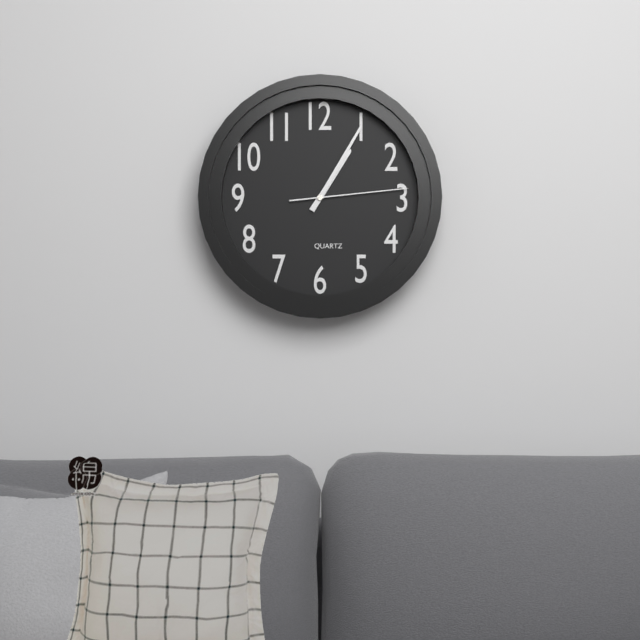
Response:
1h05m14s
